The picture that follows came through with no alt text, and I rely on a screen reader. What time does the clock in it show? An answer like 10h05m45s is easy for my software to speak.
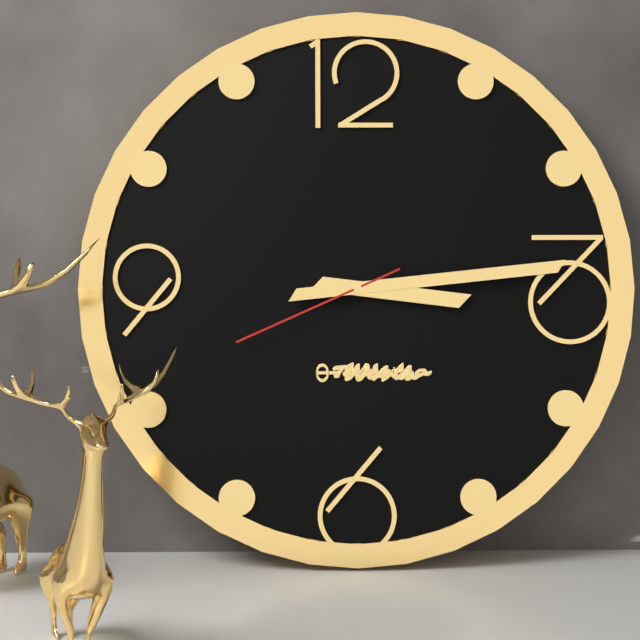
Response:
3h14m41s
